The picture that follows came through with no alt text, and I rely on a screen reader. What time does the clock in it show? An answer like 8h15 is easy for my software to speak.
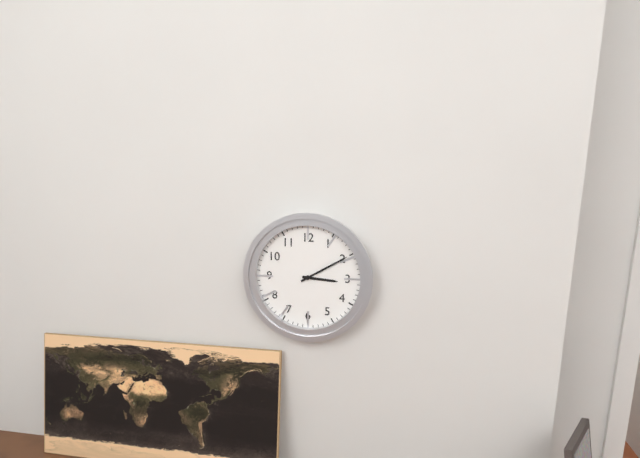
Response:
3h10
